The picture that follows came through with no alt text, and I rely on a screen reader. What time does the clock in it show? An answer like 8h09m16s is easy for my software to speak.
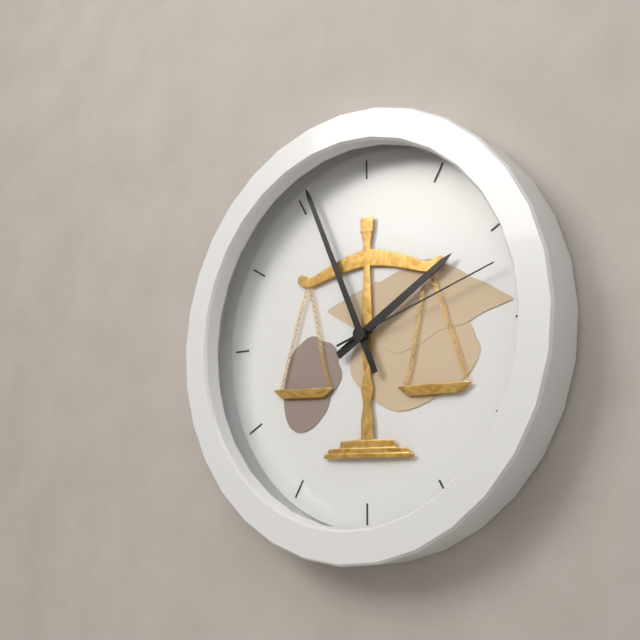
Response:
1h56m12s
